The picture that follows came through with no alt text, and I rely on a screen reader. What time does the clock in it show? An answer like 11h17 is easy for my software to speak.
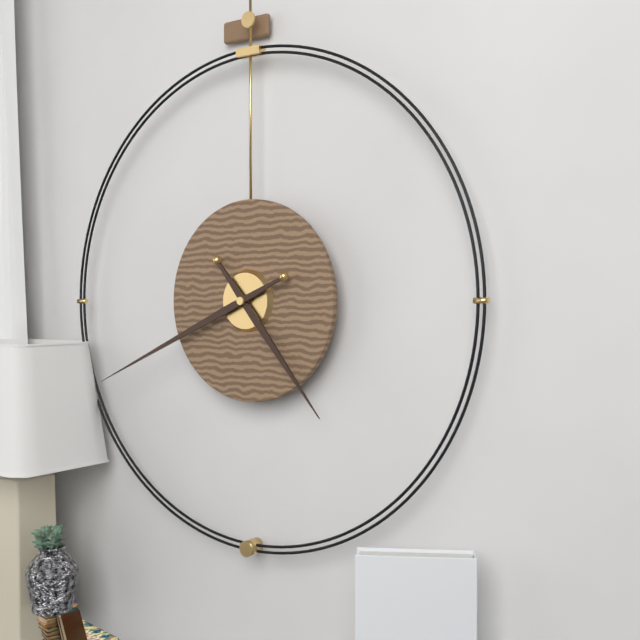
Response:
4h41
